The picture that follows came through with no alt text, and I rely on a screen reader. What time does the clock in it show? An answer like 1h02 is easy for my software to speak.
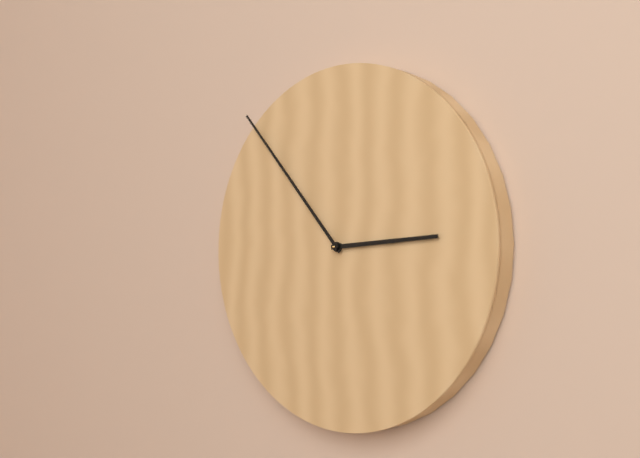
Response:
2h53
